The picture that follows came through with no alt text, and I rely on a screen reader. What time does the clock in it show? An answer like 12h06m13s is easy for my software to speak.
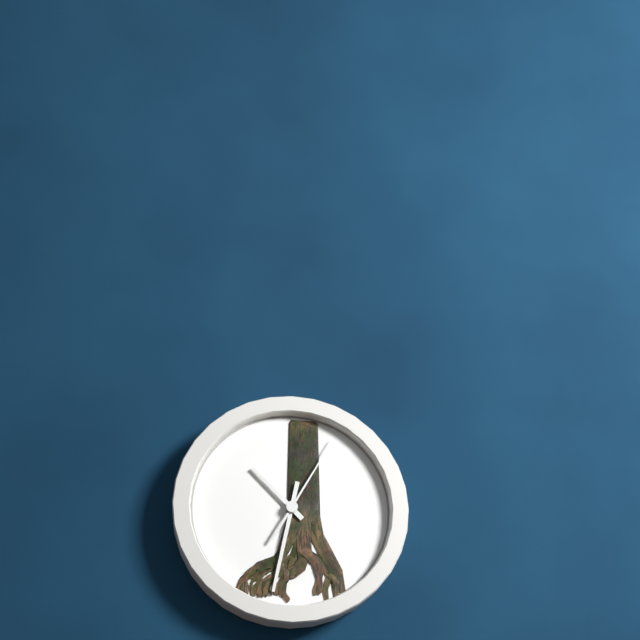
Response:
10h32m05s
